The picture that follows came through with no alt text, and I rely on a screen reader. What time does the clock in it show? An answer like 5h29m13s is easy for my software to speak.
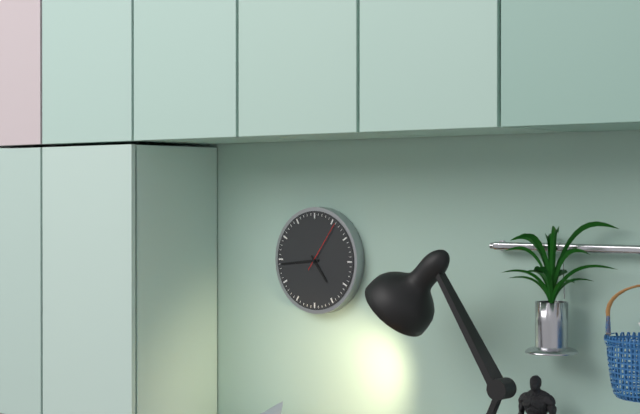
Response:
4h44m06s
